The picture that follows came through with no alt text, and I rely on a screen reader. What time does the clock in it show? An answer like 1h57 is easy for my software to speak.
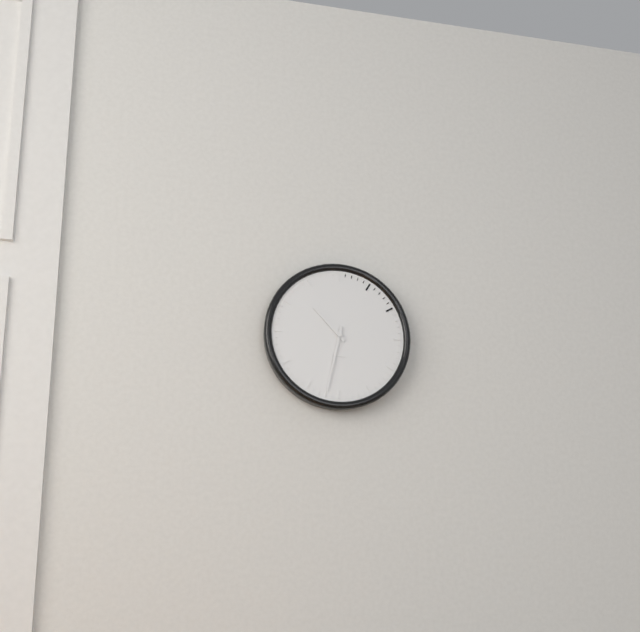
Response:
10h32
